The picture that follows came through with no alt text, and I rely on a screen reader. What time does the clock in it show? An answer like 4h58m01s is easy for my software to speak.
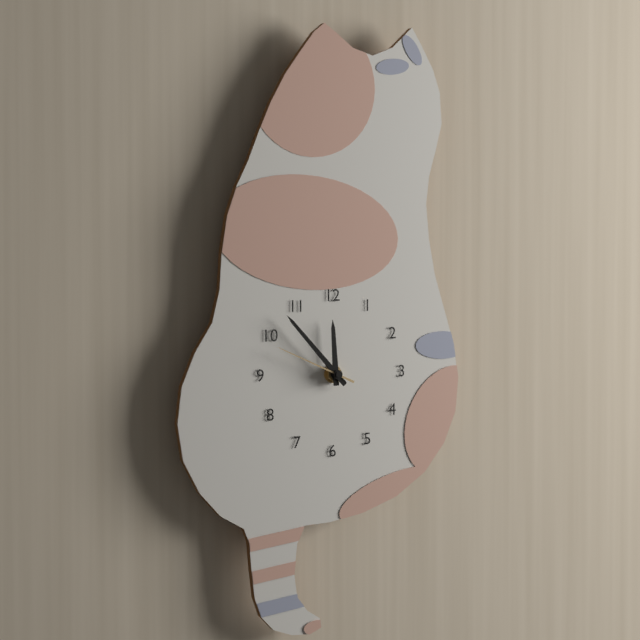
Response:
11h53m49s
